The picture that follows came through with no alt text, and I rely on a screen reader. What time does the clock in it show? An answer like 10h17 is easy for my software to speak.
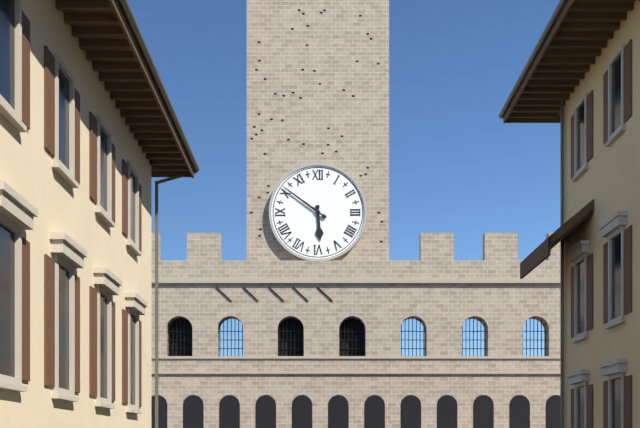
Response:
5h51
